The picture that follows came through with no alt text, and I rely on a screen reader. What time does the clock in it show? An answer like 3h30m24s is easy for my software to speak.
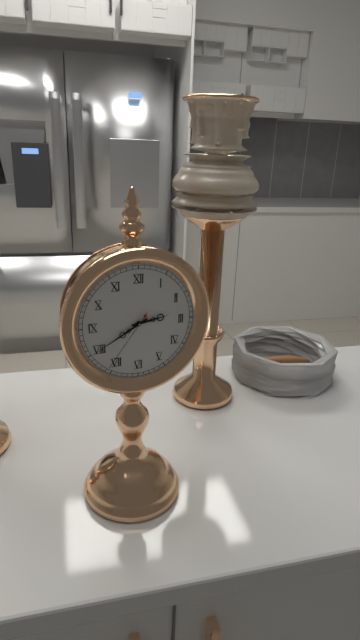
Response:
2h40m36s
